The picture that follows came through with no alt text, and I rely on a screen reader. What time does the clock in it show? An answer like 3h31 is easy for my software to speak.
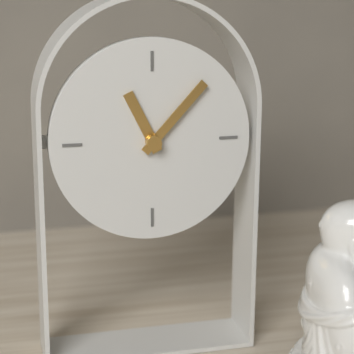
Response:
11h07
